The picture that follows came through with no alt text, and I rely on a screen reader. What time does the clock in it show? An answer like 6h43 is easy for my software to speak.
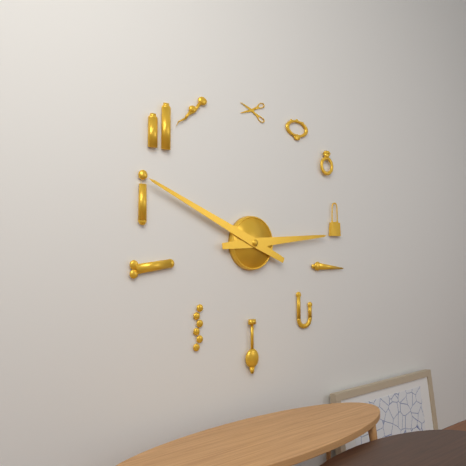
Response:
2h49
